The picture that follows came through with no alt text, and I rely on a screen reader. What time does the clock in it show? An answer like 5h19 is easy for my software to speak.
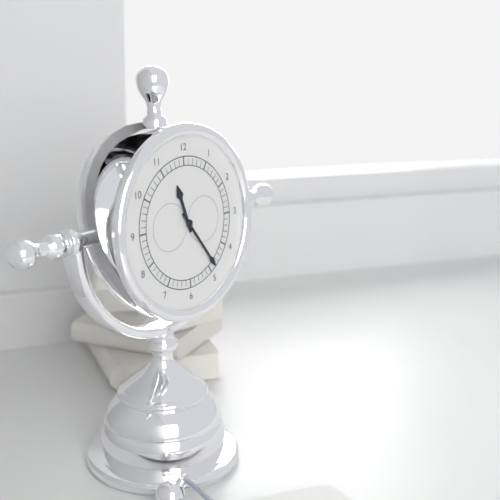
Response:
11h24
